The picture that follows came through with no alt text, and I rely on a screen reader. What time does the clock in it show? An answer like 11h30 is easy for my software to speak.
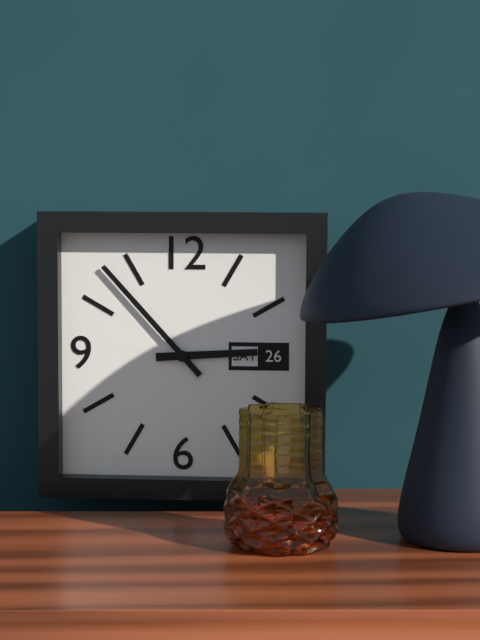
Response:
2h53
